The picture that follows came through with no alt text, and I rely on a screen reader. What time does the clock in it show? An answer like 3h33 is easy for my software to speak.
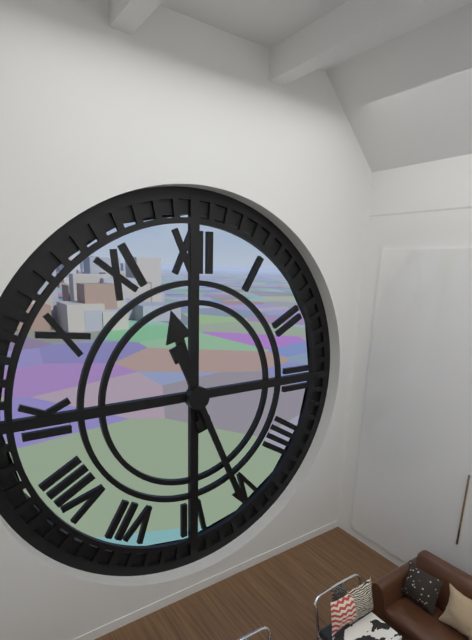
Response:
11h26
